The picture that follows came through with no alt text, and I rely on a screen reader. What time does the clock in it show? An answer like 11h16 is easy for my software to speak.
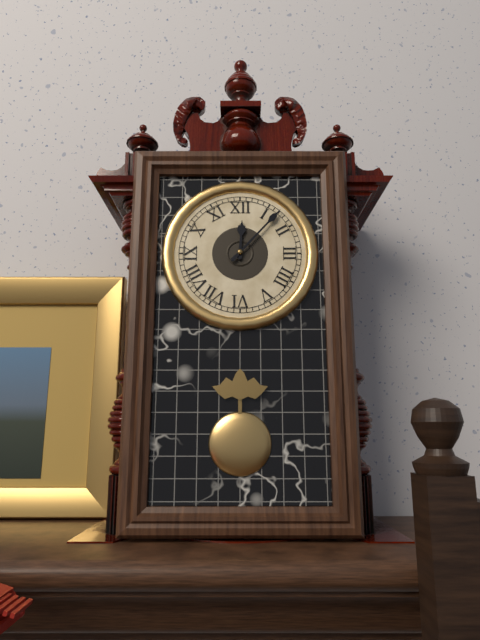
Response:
12h07
